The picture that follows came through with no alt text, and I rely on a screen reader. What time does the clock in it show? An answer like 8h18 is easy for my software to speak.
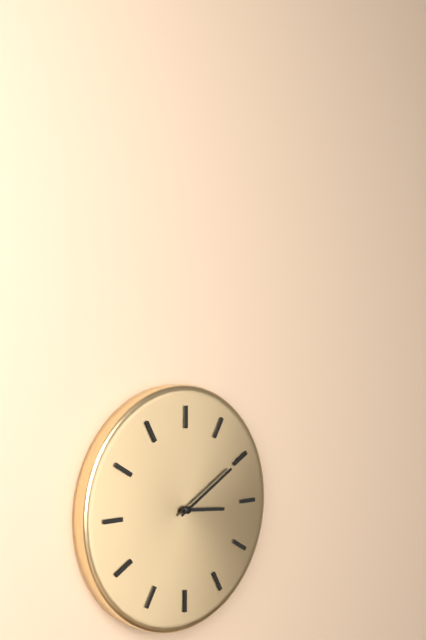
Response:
3h10
